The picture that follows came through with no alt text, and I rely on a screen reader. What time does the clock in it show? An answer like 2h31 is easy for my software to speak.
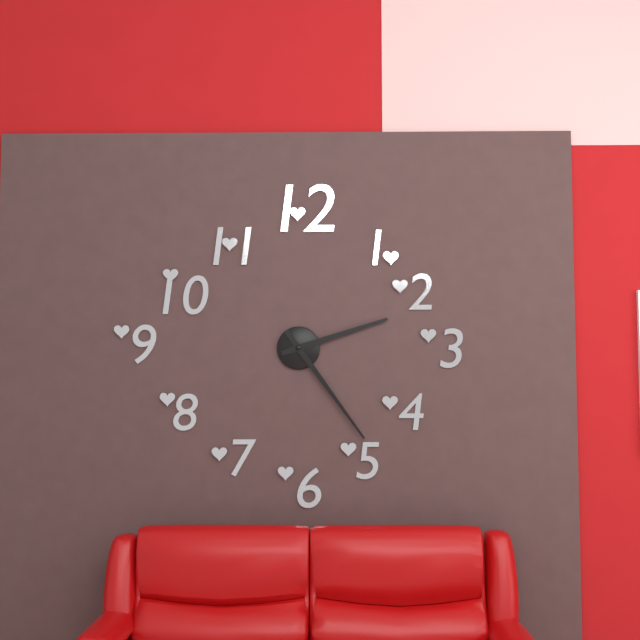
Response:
2h24
